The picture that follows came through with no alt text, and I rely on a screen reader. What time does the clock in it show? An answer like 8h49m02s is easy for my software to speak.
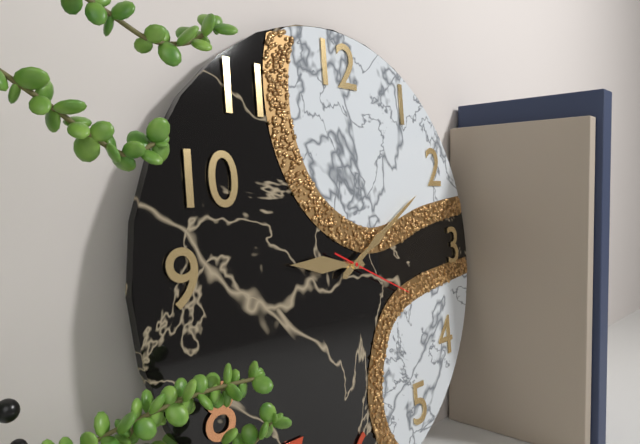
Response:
9h10m19s
